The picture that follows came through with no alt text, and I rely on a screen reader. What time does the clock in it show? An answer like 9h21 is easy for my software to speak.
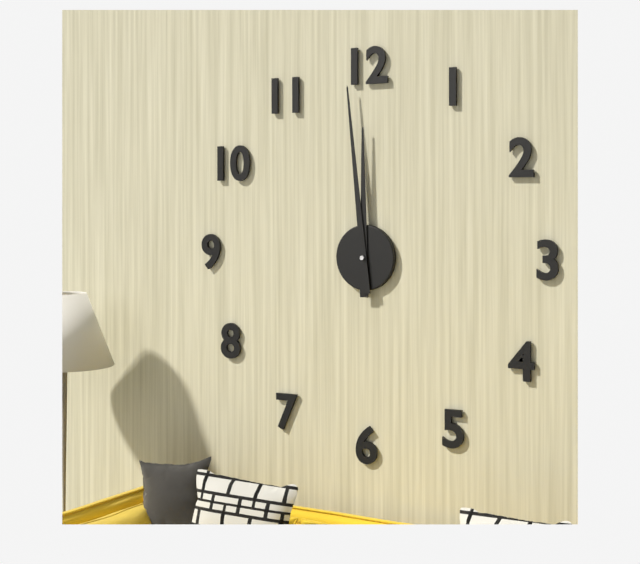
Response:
11h59
